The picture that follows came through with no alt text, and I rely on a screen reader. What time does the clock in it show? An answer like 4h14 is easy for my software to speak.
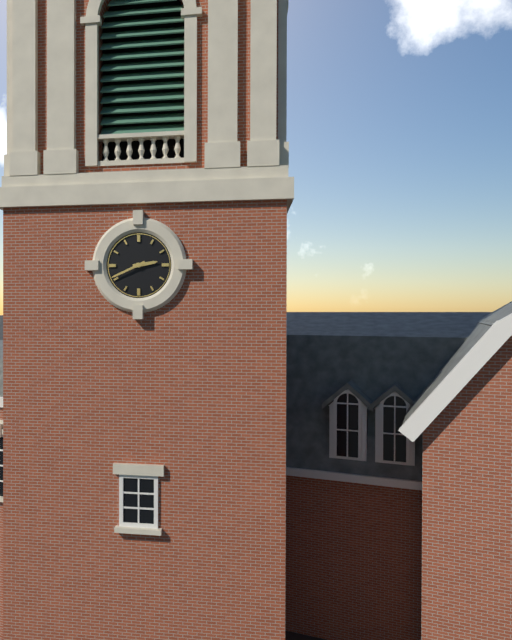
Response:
2h41
